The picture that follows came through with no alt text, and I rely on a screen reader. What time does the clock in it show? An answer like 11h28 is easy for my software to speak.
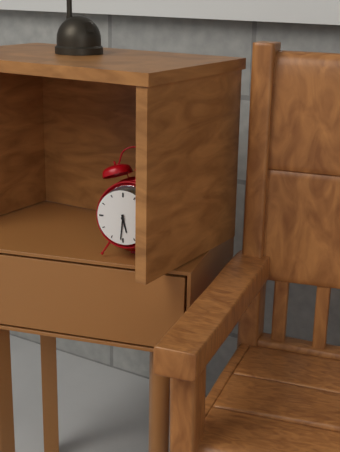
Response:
5h31
